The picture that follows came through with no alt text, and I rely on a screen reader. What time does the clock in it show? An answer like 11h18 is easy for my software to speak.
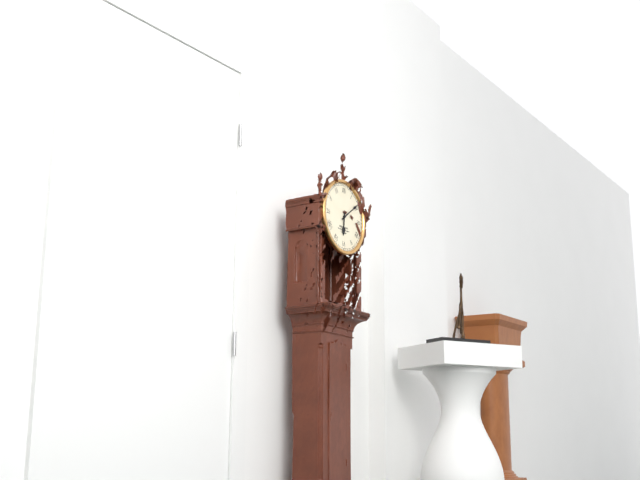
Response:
6h09
